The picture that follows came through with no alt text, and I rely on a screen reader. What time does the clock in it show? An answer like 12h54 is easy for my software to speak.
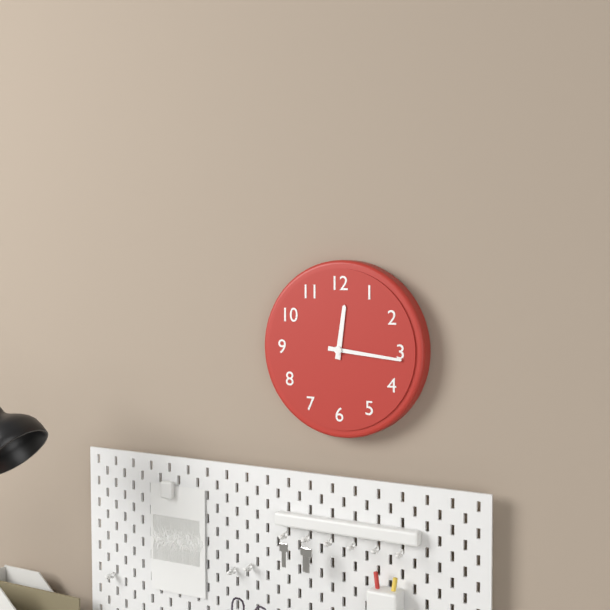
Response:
12h16
